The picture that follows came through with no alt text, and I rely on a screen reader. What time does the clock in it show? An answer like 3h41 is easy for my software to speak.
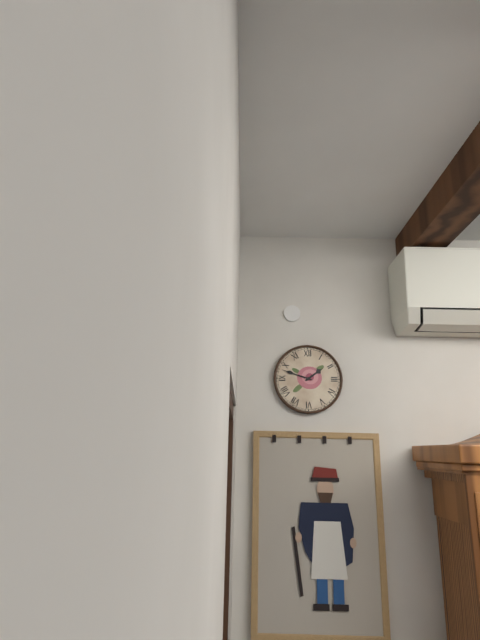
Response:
1h48
